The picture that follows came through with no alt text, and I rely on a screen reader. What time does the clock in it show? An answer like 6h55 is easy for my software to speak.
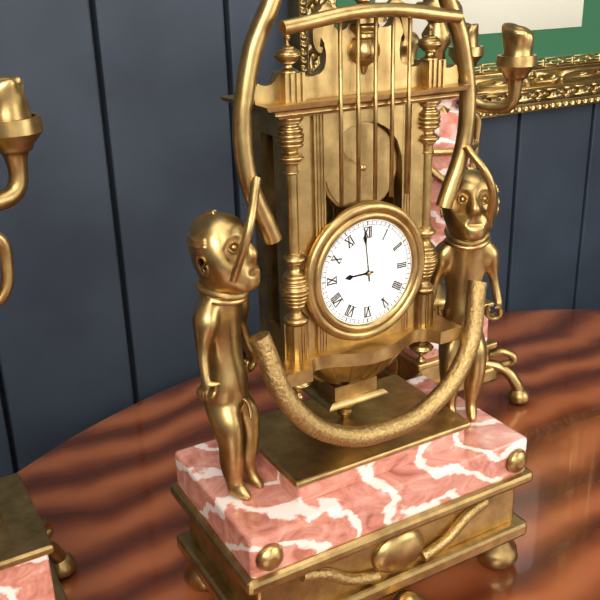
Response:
8h59
